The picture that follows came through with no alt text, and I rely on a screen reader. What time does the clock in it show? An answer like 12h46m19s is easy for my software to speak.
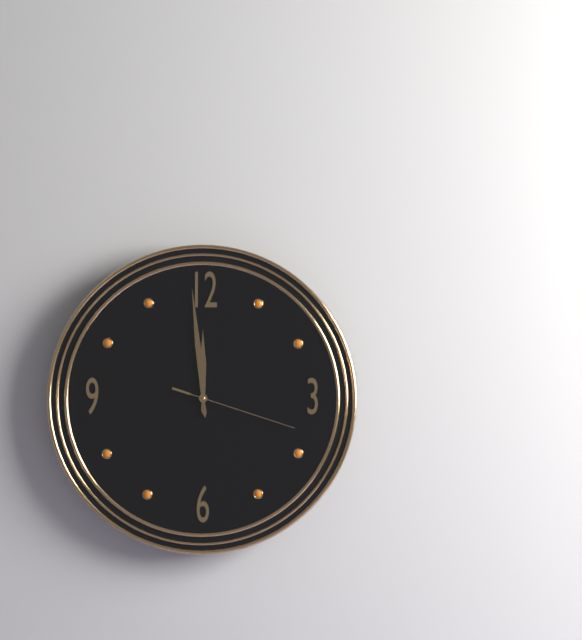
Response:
11h59m18s
